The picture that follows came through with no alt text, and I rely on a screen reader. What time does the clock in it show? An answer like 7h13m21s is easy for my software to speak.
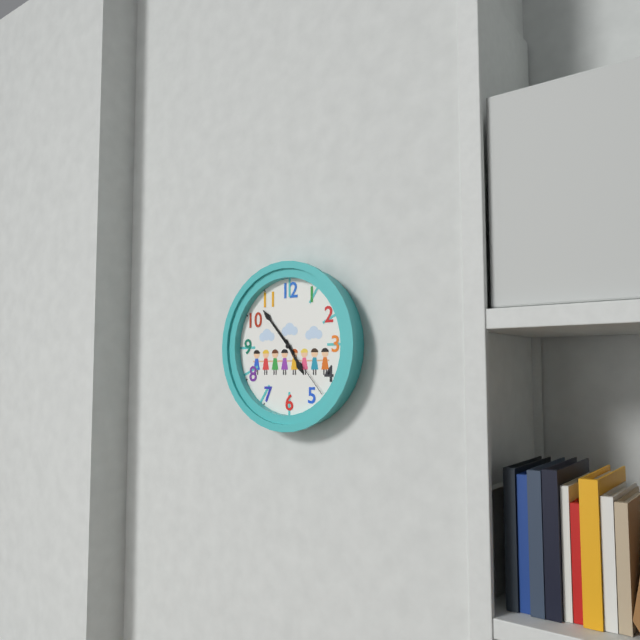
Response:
4h53m23s
